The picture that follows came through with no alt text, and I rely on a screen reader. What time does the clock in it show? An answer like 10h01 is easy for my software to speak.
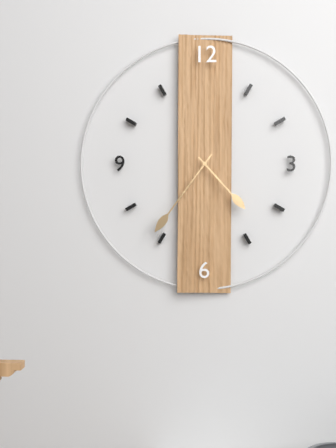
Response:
4h36
